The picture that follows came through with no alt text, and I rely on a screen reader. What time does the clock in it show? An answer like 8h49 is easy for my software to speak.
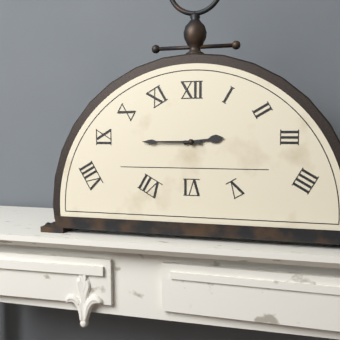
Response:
2h45
